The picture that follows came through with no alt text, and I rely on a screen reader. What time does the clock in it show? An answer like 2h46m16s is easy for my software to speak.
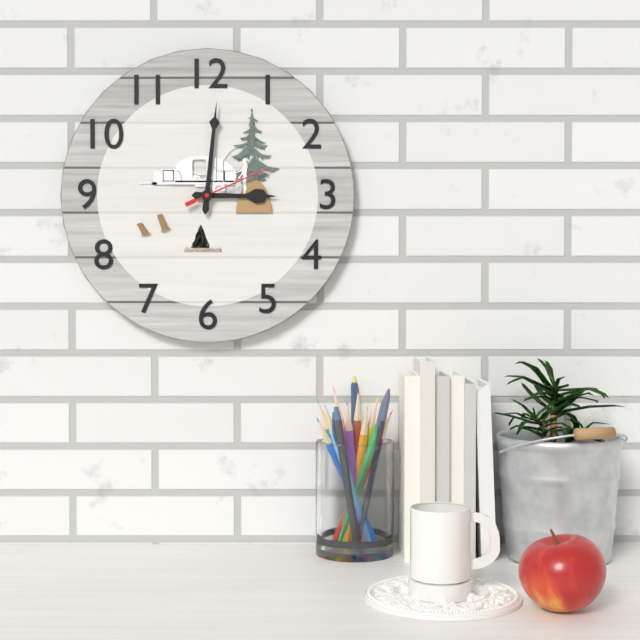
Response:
3h01m11s
